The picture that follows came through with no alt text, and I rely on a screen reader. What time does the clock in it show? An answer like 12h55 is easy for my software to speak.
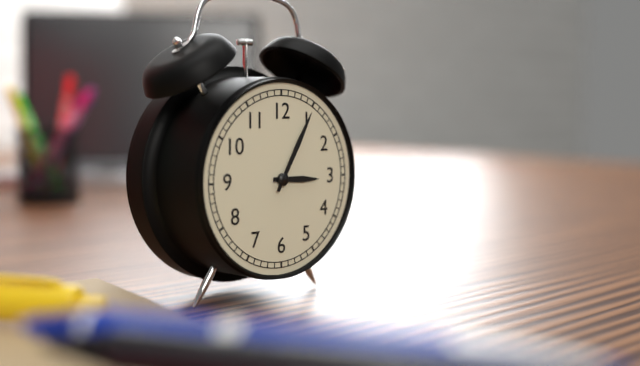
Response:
3h05
